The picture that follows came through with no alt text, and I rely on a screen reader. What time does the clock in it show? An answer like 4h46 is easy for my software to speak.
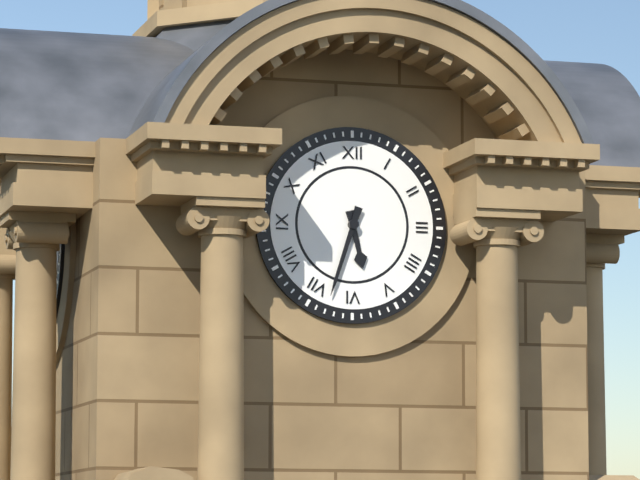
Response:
5h33
